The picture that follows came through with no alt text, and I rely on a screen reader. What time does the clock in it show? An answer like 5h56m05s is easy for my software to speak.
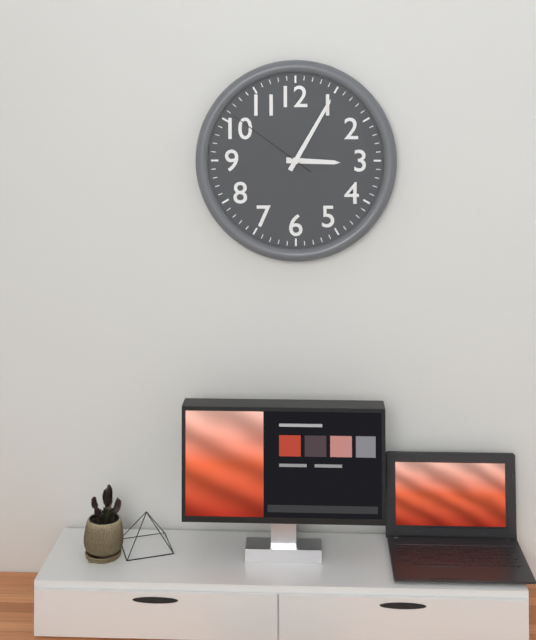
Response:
3h05m51s
